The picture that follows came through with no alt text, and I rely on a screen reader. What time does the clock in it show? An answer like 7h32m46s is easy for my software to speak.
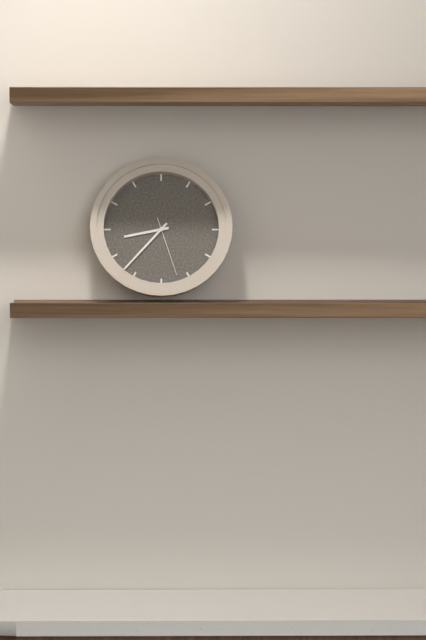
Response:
8h37m27s
